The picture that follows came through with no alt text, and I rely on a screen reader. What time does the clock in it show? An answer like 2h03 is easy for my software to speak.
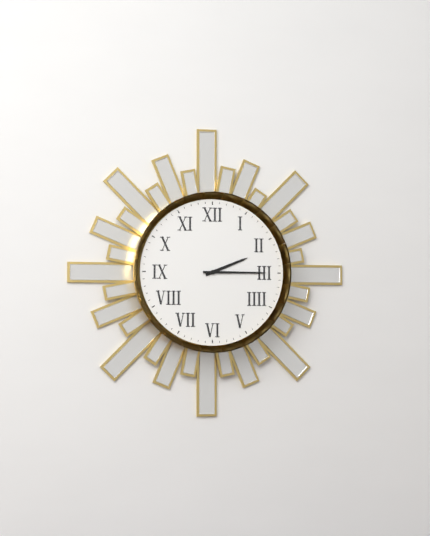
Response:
2h15
